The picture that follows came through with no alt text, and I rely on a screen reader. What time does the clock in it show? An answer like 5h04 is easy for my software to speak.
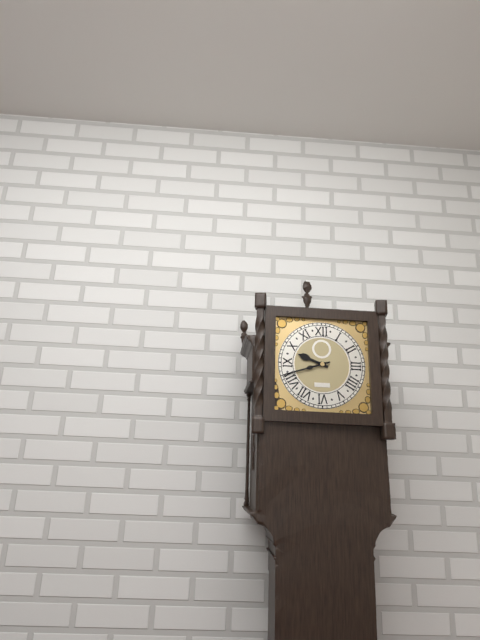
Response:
9h42
